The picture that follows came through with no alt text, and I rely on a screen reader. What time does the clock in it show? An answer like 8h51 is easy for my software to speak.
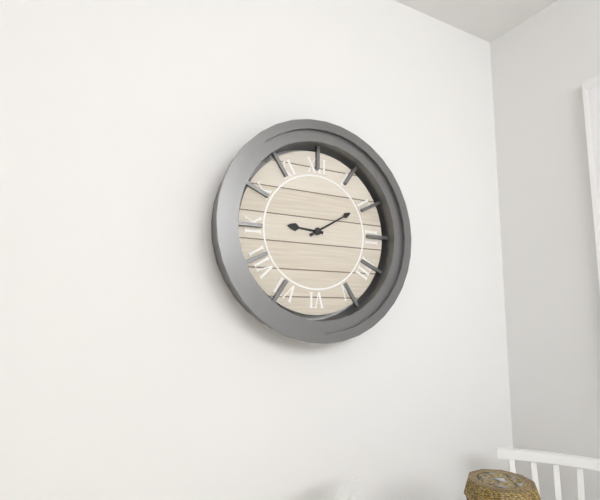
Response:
9h10
